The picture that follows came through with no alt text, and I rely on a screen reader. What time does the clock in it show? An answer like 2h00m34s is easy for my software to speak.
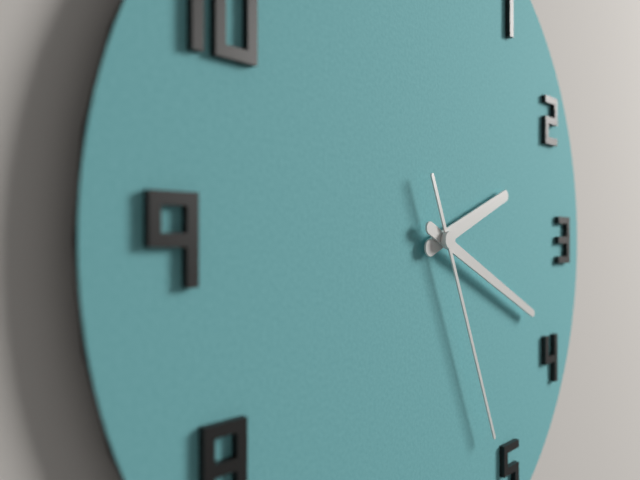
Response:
2h19m26s
